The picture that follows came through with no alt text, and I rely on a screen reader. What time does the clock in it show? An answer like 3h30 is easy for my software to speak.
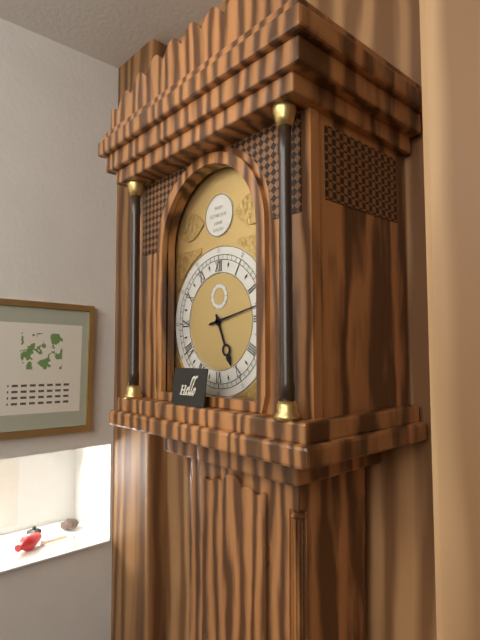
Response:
5h13
